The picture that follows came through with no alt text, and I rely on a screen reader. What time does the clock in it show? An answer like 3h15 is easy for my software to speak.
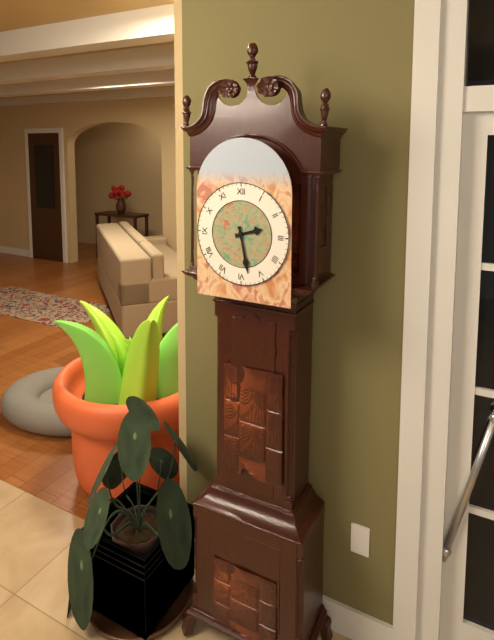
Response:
2h28
